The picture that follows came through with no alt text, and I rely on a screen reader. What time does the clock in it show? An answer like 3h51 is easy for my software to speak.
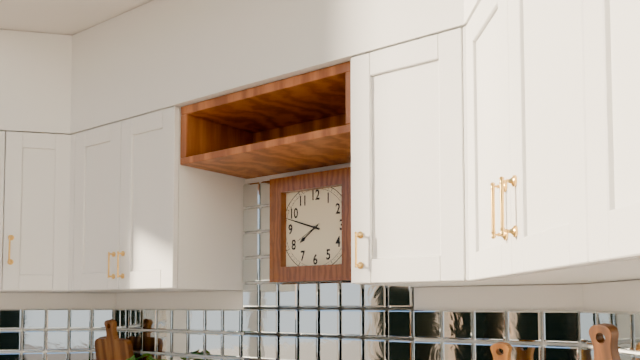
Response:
7h48
